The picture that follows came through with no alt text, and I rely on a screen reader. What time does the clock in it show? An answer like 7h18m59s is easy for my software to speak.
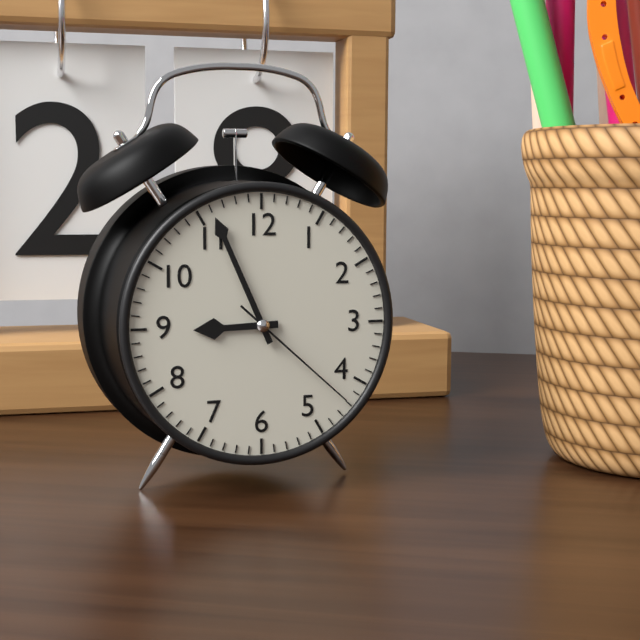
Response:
8h56m22s
